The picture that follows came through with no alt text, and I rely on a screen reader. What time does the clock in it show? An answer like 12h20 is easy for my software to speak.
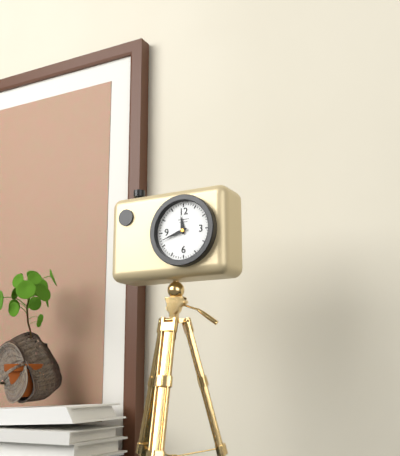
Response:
11h42
